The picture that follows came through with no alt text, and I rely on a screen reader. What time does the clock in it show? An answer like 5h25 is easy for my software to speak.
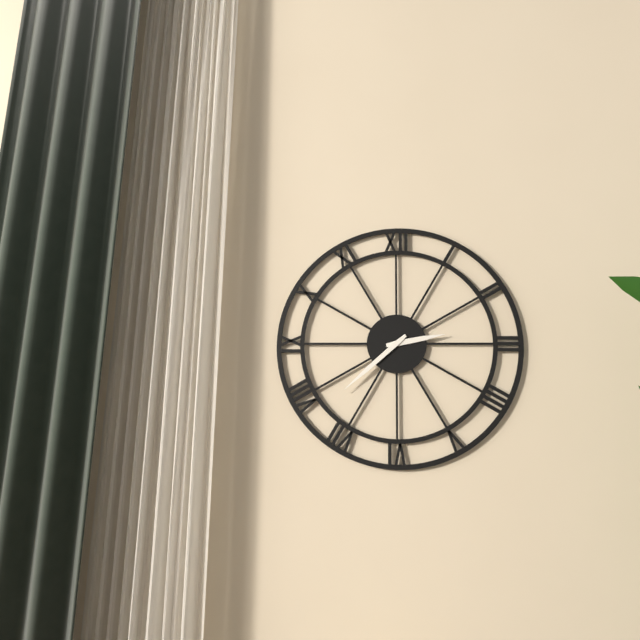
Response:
2h38
